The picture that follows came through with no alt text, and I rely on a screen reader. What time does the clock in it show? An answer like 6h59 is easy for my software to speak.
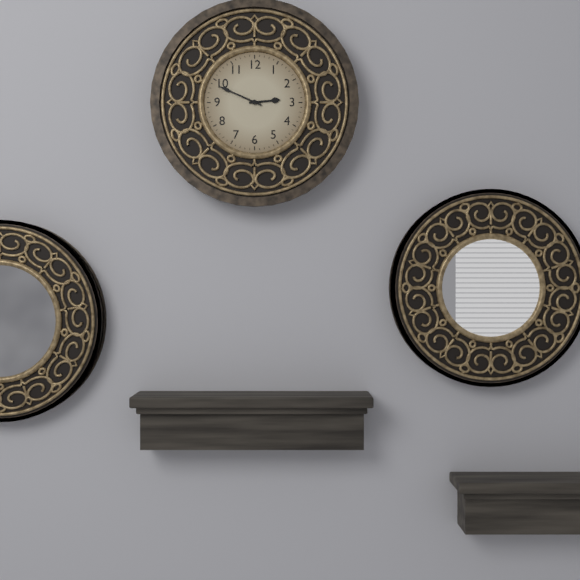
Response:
2h49
